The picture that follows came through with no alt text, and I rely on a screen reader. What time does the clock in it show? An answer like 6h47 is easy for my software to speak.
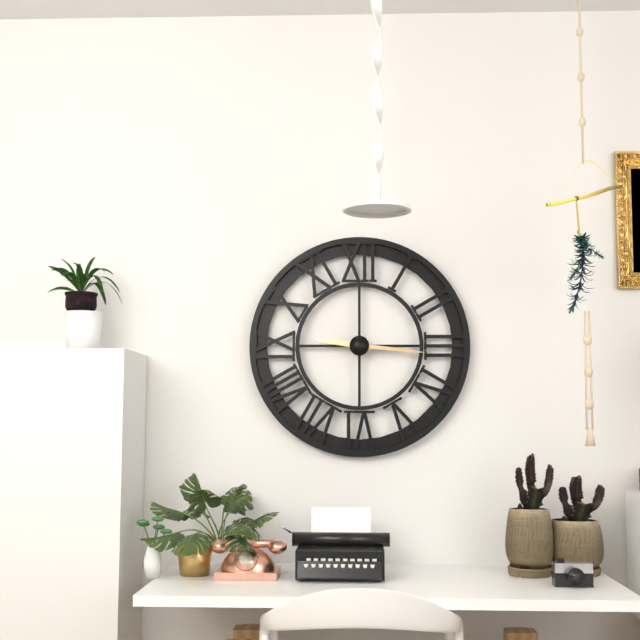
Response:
9h16
